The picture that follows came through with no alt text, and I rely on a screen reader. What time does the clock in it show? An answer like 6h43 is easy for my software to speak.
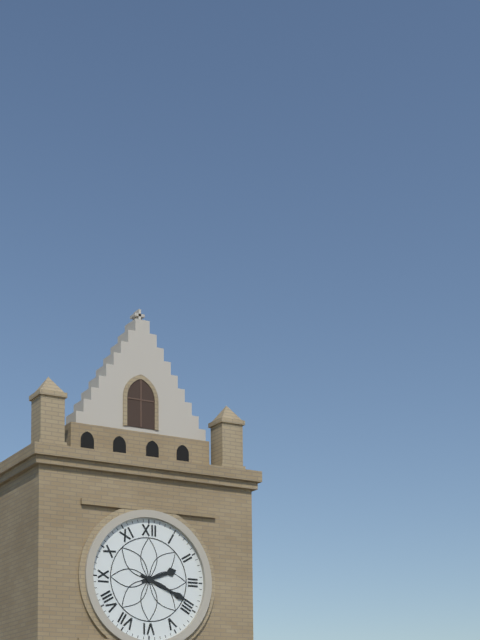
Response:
2h19
